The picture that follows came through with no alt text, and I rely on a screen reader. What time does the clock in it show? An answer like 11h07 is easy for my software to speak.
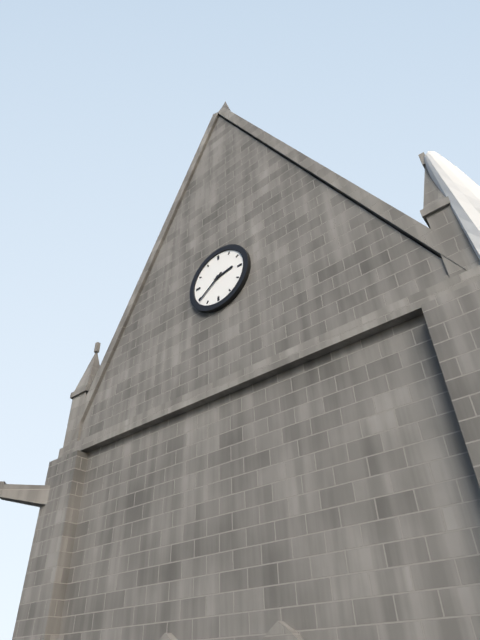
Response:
2h39
